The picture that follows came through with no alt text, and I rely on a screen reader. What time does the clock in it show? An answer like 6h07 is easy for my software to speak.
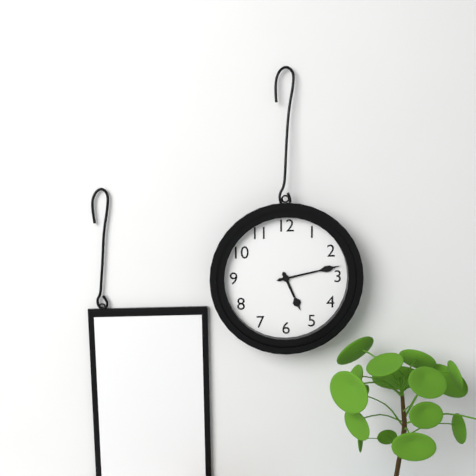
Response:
5h13
